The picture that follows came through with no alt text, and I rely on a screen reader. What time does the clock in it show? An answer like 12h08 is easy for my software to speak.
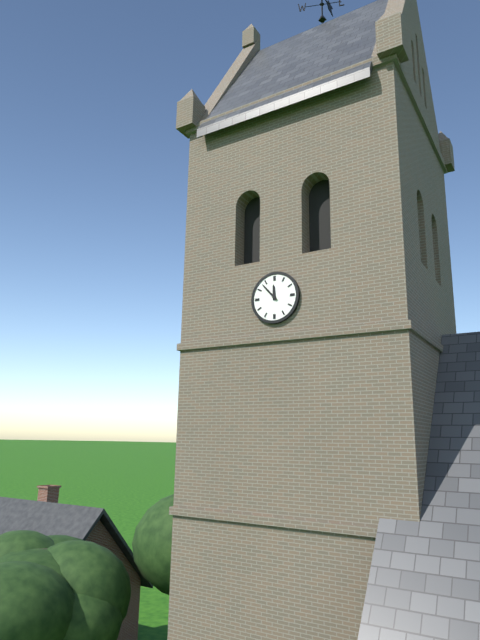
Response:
11h53
